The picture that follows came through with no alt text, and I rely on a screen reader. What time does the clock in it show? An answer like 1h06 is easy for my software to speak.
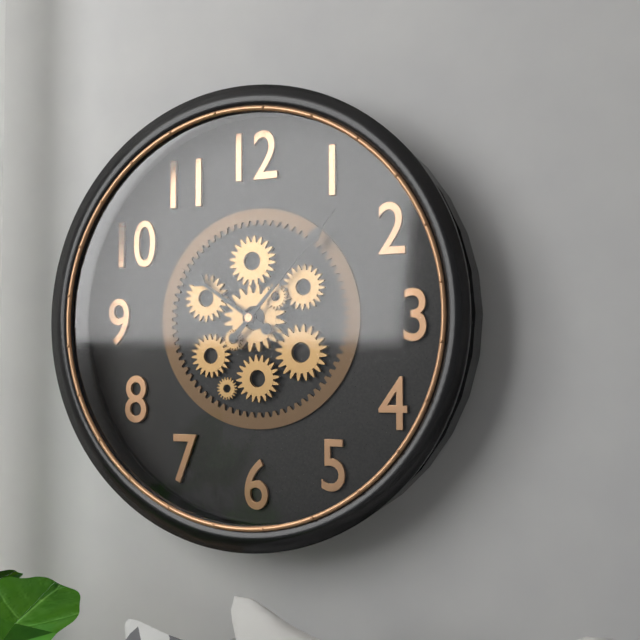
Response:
10h07
